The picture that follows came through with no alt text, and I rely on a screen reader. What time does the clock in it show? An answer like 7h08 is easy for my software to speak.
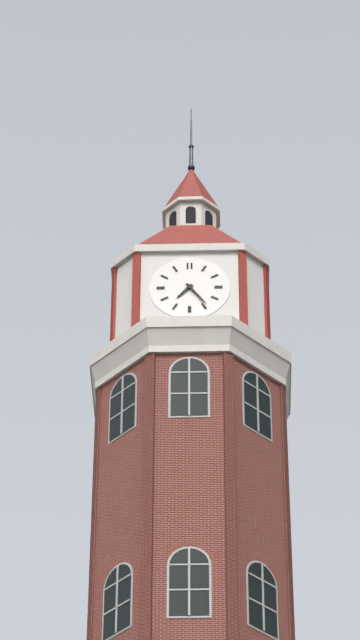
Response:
7h24
